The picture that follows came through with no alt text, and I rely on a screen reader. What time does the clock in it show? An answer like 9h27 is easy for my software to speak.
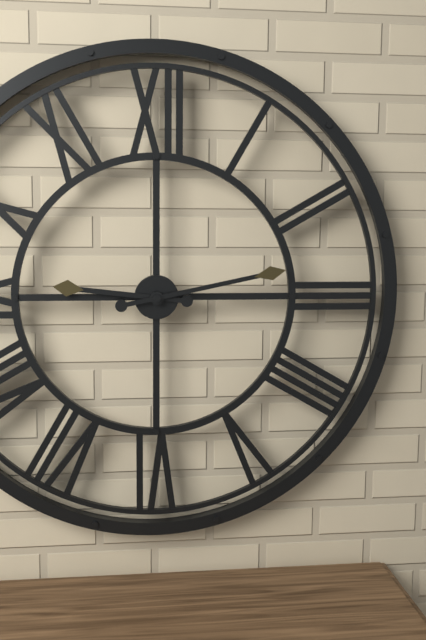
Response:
9h13
